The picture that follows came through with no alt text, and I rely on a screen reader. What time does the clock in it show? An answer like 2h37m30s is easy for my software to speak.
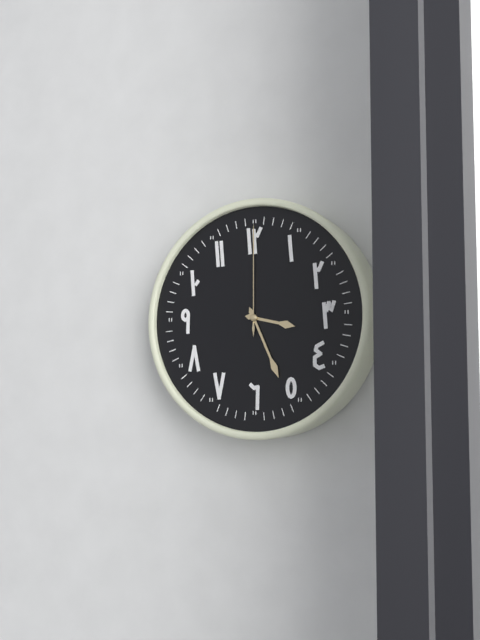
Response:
3h26m00s
